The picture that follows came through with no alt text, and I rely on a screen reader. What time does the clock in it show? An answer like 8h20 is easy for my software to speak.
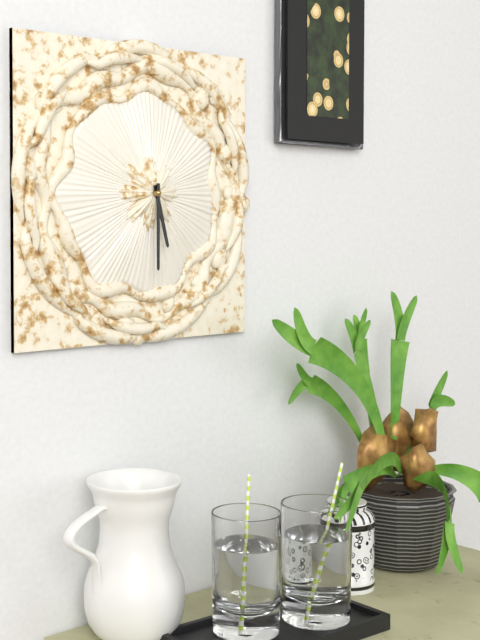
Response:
5h30
